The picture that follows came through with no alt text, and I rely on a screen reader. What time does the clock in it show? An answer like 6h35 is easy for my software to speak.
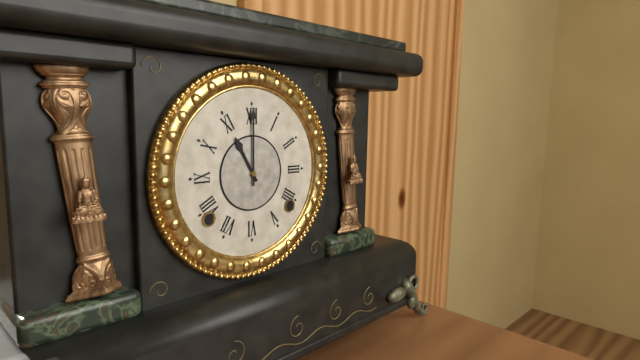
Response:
11h00
